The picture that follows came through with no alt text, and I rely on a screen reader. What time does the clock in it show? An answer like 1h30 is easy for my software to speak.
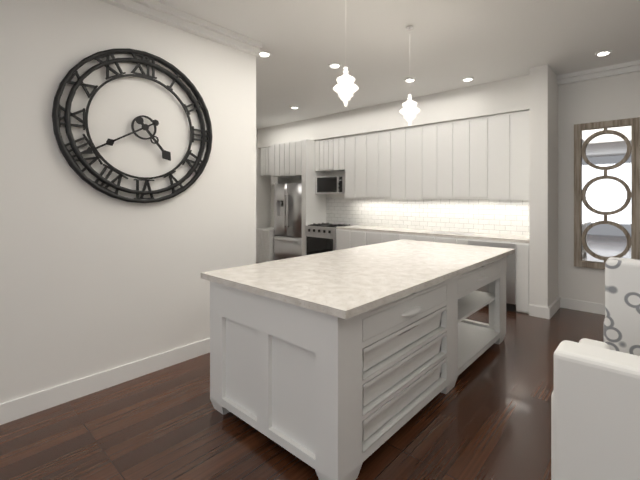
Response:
4h40
